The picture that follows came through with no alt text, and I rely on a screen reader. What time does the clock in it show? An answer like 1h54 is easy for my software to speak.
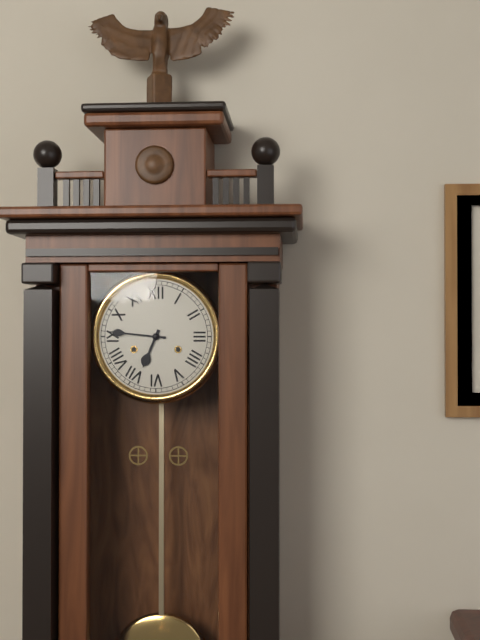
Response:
6h46
